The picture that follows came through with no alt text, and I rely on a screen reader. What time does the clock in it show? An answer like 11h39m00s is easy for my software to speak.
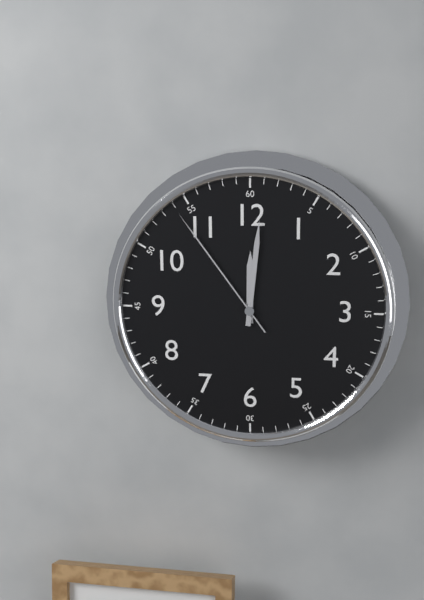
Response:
12h01m54s
